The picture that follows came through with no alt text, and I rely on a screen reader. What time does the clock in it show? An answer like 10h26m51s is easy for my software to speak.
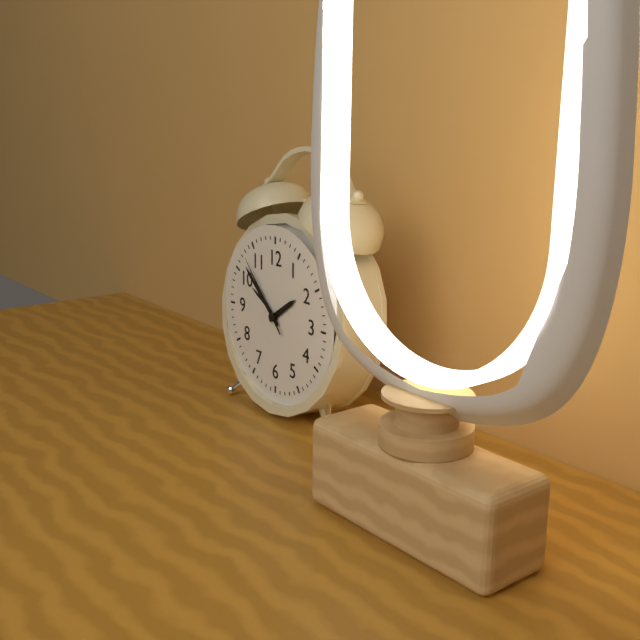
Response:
1h52m53s
